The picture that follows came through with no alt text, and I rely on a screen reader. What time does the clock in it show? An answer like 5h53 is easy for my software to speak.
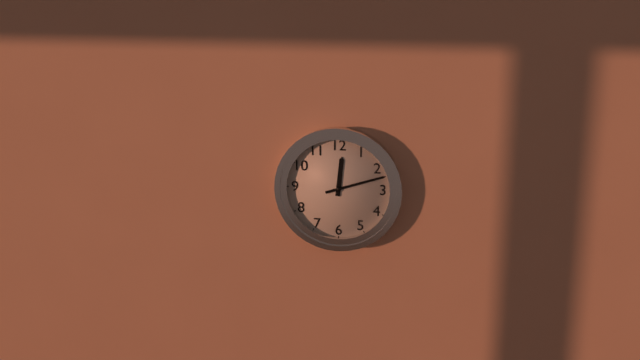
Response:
12h12
